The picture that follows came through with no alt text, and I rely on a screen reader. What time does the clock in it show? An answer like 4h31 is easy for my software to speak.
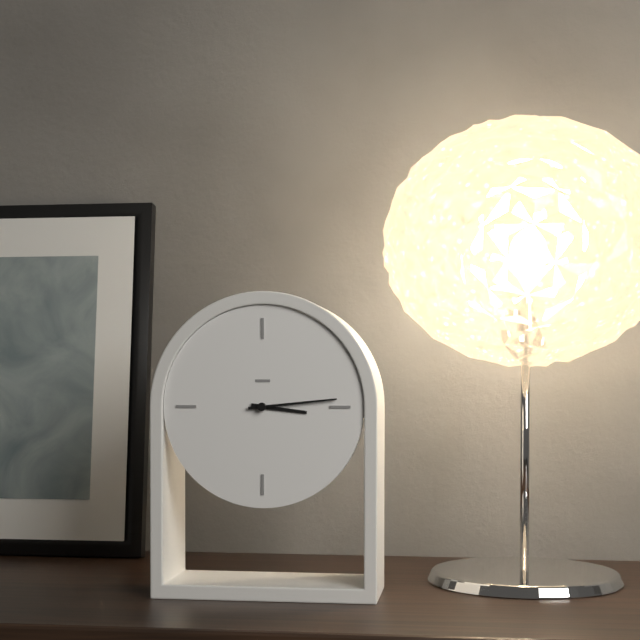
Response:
3h14
